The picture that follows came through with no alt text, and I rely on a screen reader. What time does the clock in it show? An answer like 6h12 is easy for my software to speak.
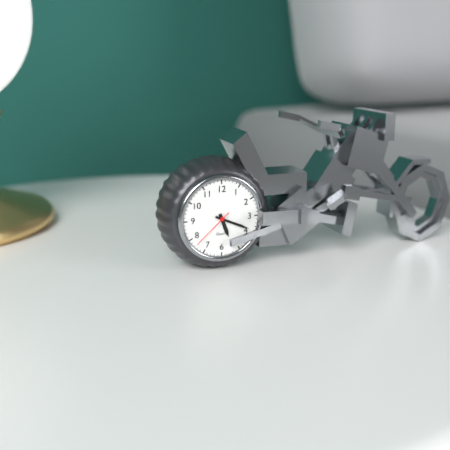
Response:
5h19
